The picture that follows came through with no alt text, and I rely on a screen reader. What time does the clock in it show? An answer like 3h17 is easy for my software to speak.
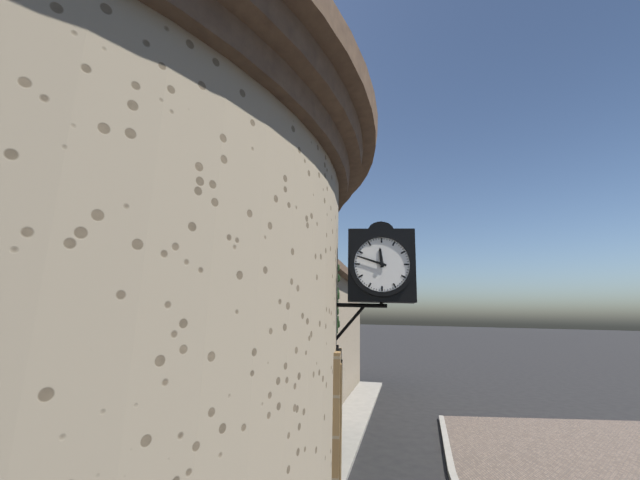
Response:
11h48
